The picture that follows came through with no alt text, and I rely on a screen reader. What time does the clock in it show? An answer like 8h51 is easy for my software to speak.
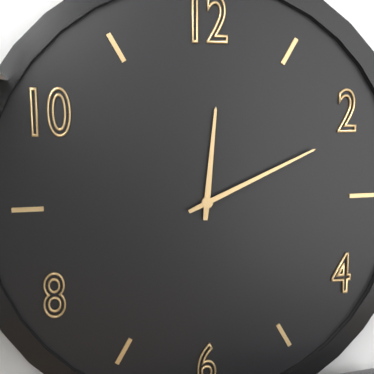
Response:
12h11
